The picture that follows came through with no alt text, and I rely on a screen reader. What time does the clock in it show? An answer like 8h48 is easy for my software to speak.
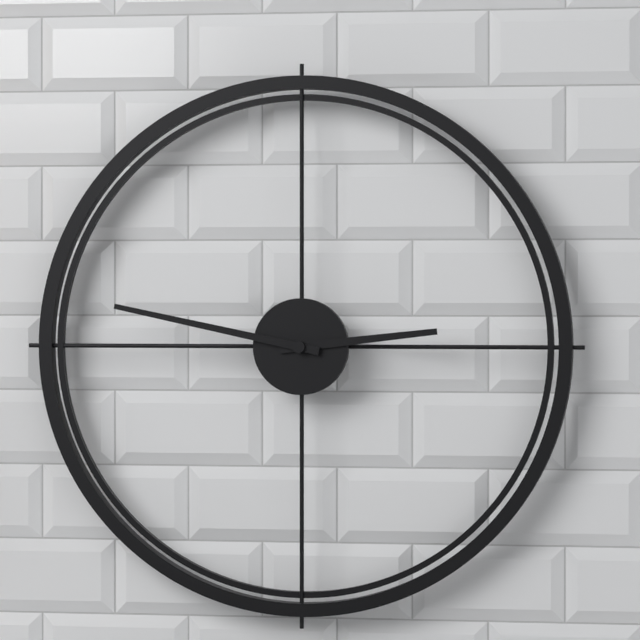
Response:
2h47
